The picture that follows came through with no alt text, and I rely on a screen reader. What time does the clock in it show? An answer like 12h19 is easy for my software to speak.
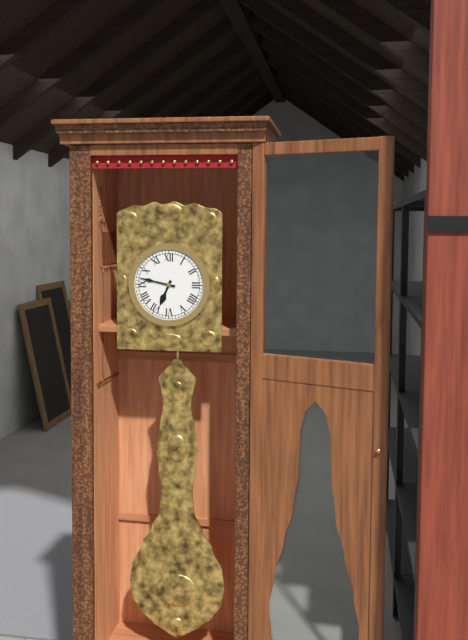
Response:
6h47
